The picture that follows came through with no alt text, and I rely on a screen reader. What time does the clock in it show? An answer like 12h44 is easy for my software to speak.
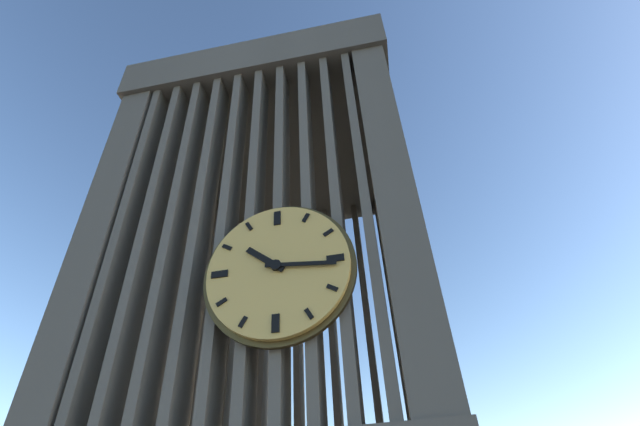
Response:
10h16
